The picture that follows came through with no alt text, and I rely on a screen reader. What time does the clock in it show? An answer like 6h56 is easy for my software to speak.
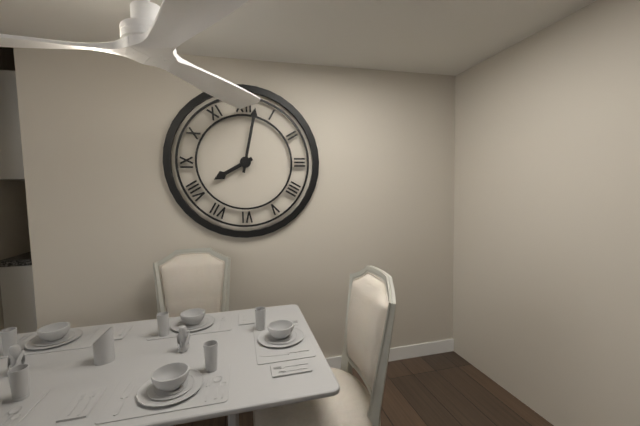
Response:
8h02
